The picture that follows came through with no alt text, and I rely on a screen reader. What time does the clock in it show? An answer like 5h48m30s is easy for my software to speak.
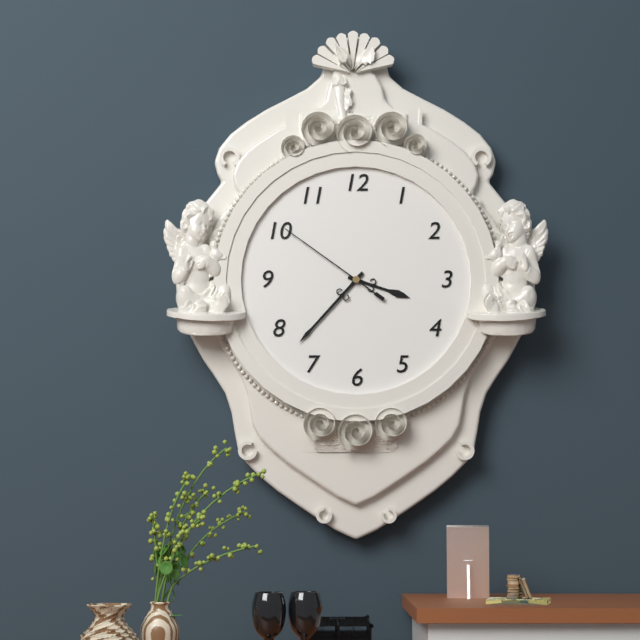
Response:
3h37m51s
